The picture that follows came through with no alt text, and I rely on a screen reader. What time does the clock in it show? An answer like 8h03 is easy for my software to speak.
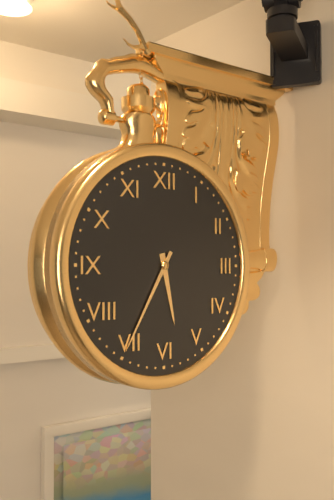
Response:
5h35
